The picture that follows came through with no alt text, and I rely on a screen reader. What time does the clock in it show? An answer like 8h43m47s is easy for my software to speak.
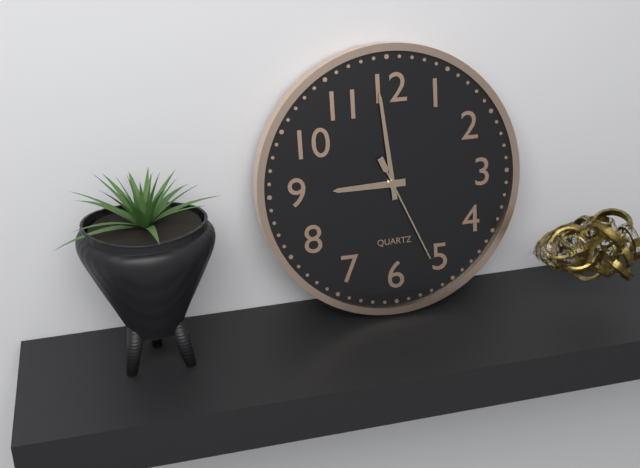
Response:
8h59m26s
